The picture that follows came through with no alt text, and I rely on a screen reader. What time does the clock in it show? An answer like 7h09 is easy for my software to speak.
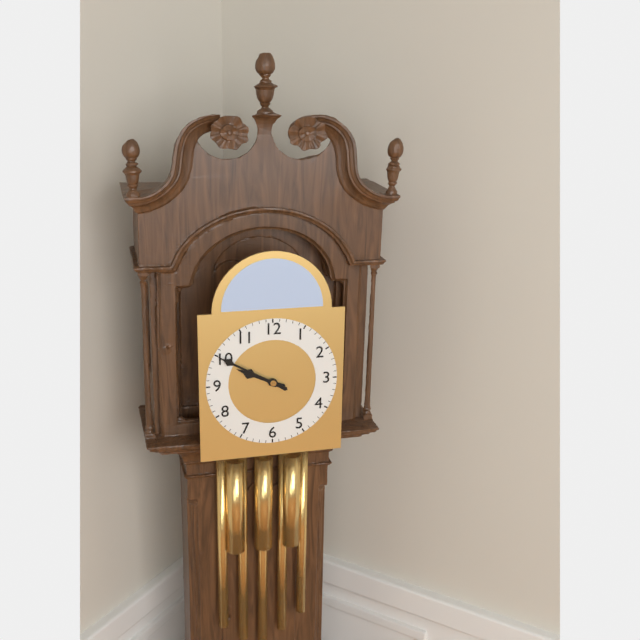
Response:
9h50
